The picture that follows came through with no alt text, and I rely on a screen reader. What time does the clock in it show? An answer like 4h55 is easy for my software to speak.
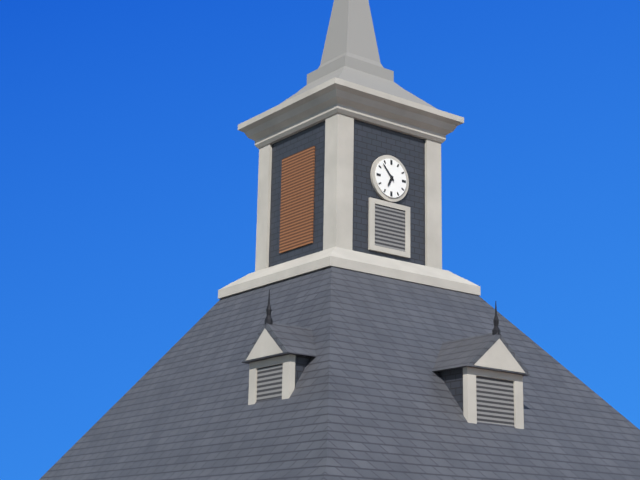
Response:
6h53
